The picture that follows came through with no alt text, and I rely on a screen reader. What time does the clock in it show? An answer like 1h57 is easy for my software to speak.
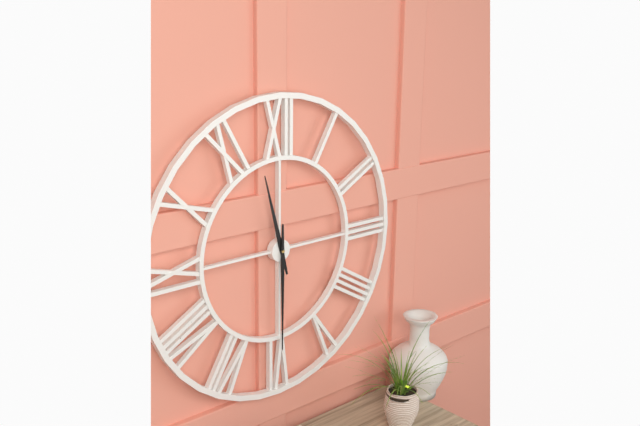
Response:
11h30
